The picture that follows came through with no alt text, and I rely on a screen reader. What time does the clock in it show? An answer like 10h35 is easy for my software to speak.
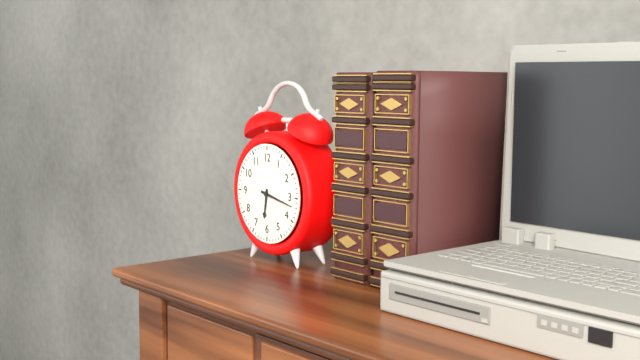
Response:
6h17
